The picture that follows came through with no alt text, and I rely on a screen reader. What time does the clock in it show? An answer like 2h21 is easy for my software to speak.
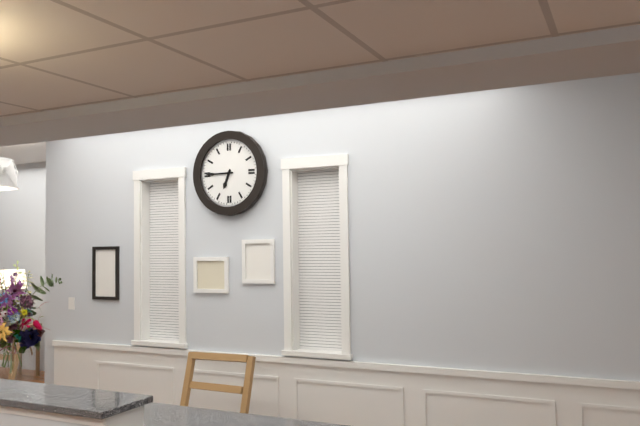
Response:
6h45
